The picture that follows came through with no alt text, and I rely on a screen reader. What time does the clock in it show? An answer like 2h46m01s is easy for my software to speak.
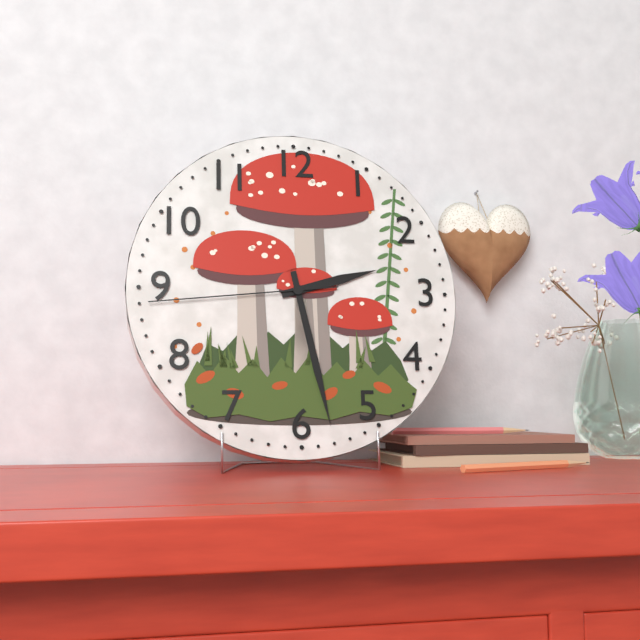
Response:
2h28m44s
